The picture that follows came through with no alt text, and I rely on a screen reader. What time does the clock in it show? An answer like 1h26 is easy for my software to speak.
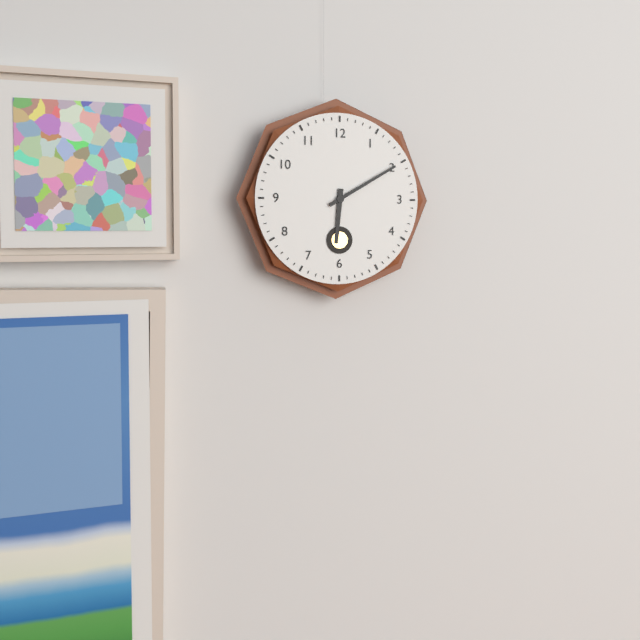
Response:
6h10
